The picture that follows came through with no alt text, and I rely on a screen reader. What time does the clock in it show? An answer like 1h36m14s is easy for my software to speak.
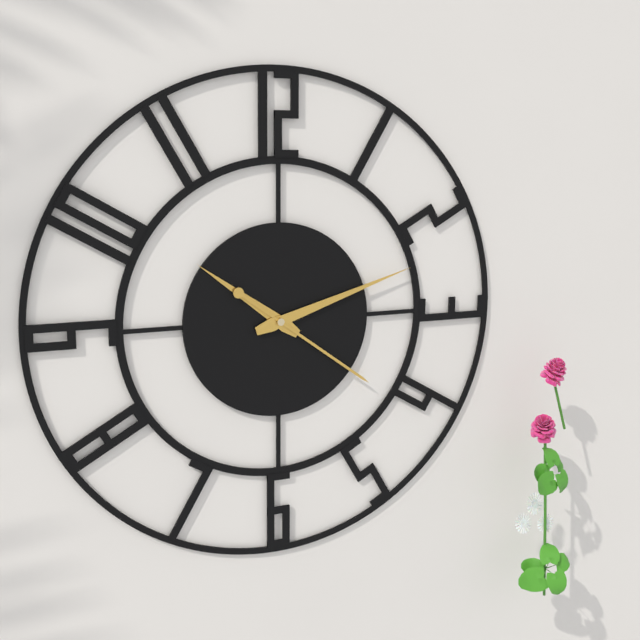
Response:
10h12m21s
